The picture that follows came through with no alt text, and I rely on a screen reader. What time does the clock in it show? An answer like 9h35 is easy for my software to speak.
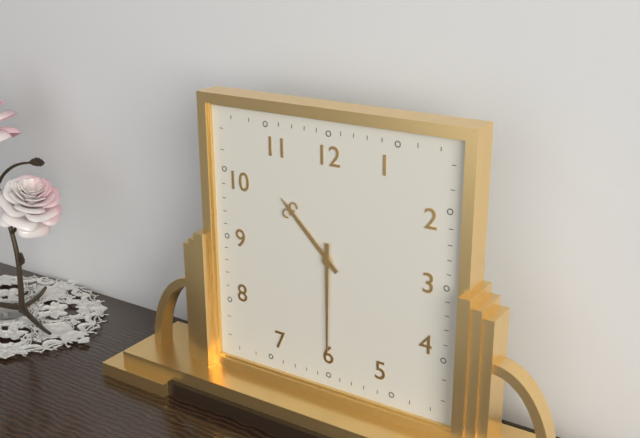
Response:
10h30
